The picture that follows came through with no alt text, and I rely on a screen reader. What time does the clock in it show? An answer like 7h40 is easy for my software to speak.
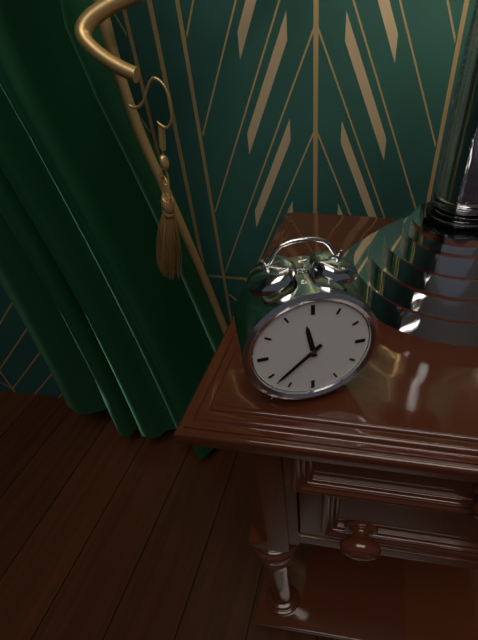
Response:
11h38
